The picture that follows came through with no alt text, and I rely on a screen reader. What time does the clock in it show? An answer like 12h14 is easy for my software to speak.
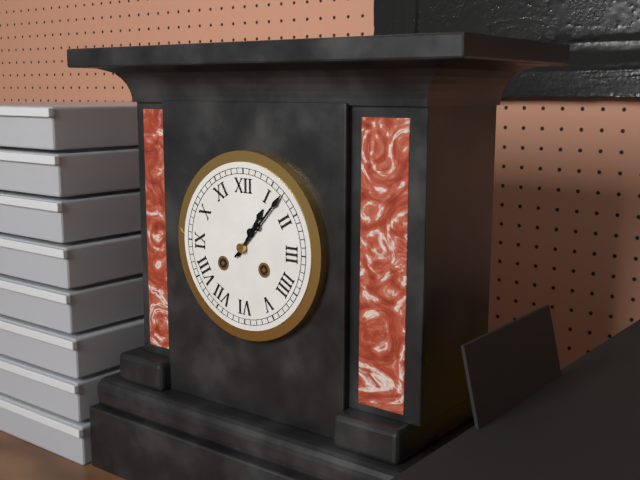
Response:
1h07
